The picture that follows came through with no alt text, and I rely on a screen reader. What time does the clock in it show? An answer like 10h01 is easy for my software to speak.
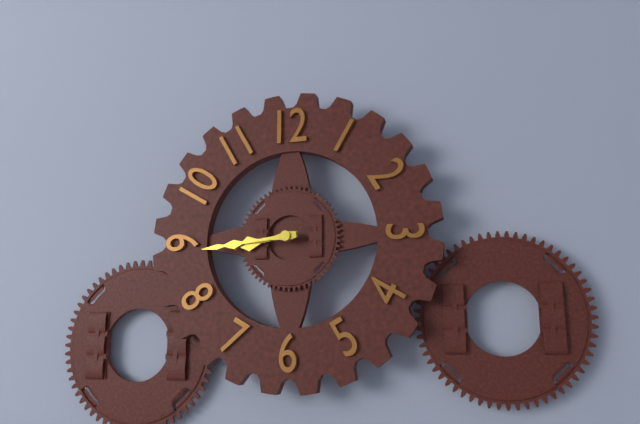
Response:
8h44
